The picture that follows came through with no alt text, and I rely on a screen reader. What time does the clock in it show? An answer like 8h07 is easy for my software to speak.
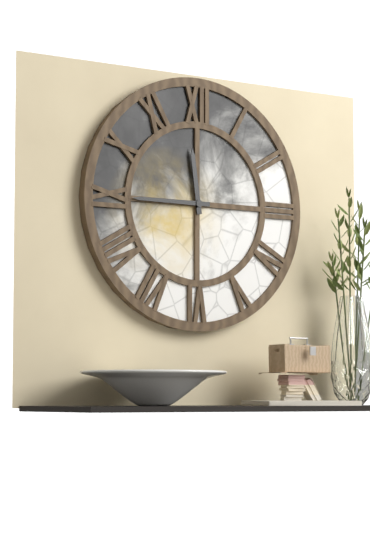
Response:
11h45
